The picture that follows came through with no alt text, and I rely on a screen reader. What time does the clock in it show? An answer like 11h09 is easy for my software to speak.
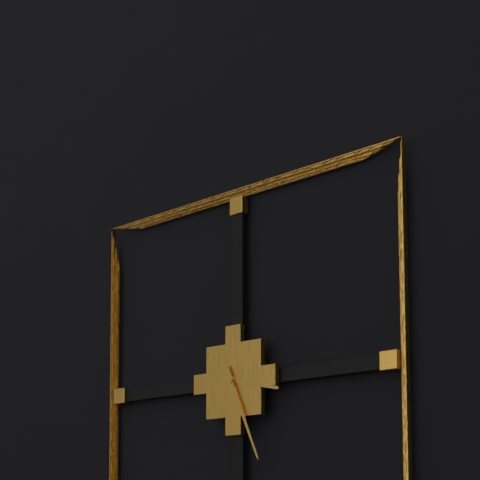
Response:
3h26
